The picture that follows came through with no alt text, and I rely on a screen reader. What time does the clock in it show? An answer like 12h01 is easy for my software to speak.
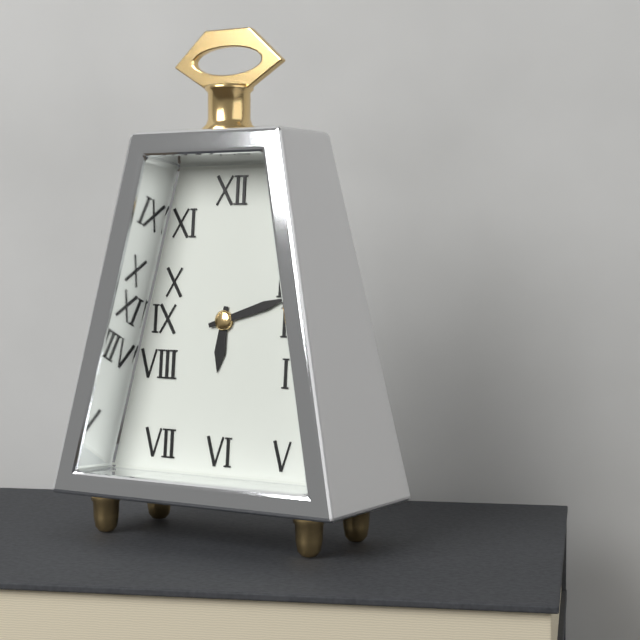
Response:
6h12
